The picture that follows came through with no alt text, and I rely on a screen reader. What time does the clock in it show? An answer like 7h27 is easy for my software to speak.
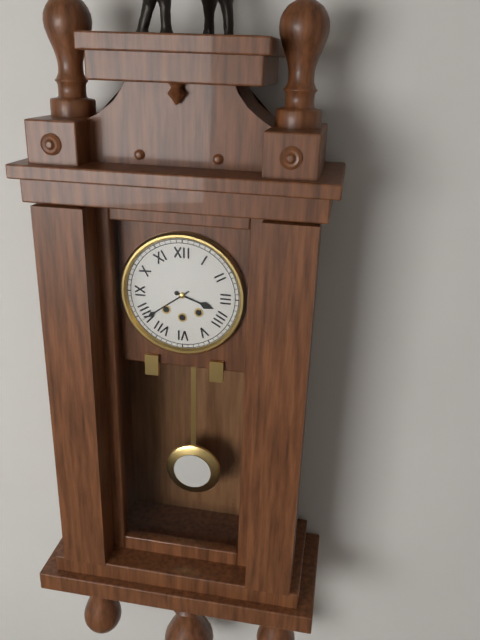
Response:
3h39
